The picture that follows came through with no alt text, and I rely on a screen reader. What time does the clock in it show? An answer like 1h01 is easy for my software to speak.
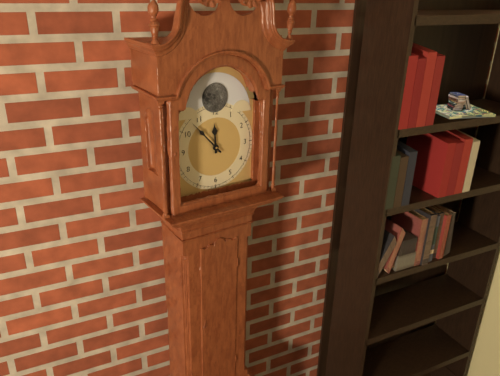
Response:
11h53
